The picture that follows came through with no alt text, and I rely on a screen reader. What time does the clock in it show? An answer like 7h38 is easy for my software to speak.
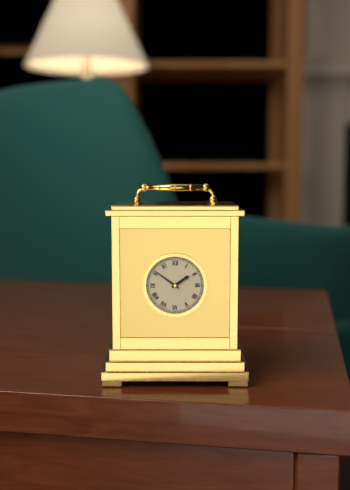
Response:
1h51
